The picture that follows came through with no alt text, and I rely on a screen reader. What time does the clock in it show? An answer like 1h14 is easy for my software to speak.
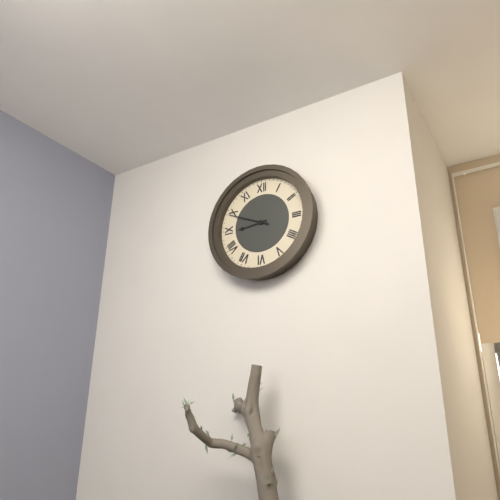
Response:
8h49
